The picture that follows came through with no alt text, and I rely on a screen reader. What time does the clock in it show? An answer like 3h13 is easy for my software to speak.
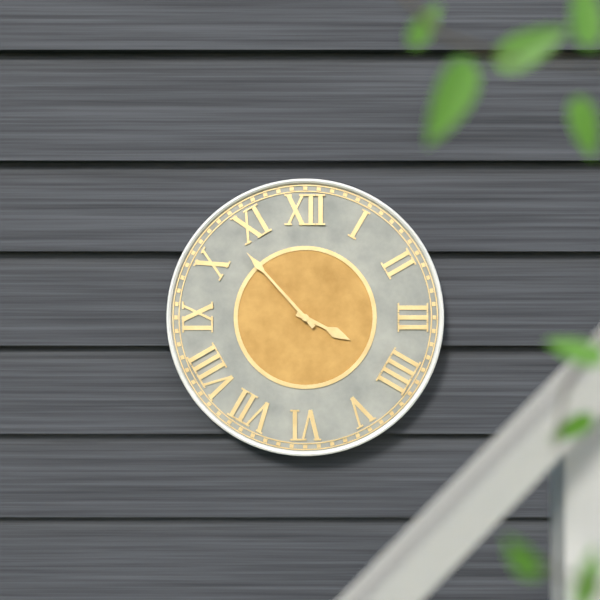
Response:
3h53
